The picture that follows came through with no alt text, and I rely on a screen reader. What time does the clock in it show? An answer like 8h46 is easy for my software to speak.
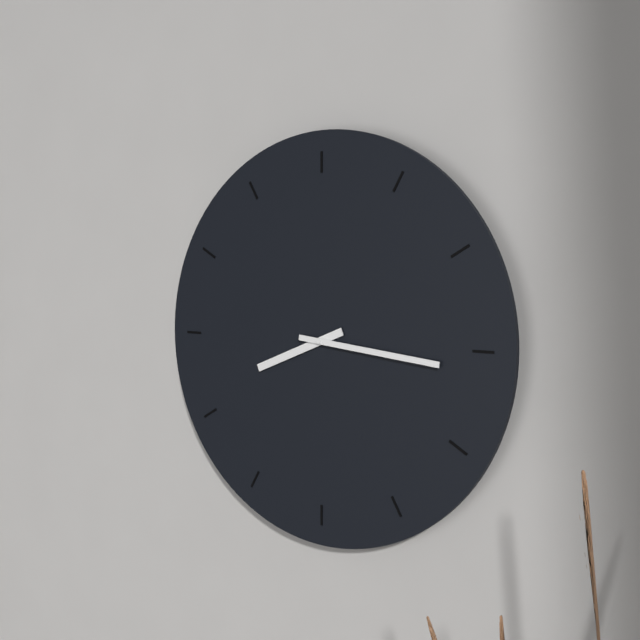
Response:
8h16
